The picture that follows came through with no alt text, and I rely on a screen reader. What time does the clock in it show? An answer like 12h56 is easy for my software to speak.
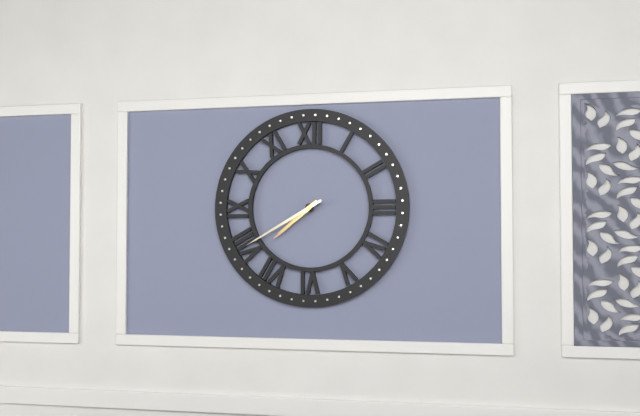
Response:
7h40
